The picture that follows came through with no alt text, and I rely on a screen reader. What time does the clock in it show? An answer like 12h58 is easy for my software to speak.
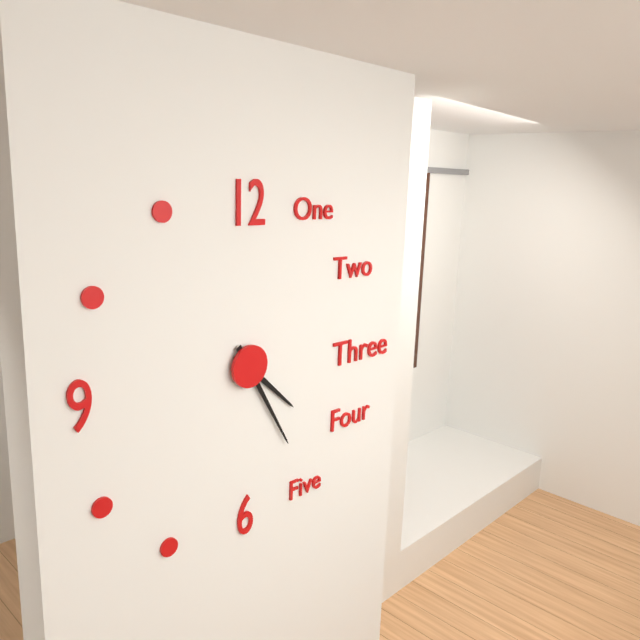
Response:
4h25
